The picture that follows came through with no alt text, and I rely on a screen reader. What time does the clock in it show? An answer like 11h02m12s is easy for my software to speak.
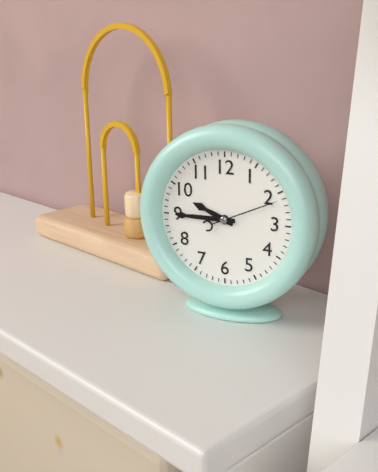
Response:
9h45m11s
